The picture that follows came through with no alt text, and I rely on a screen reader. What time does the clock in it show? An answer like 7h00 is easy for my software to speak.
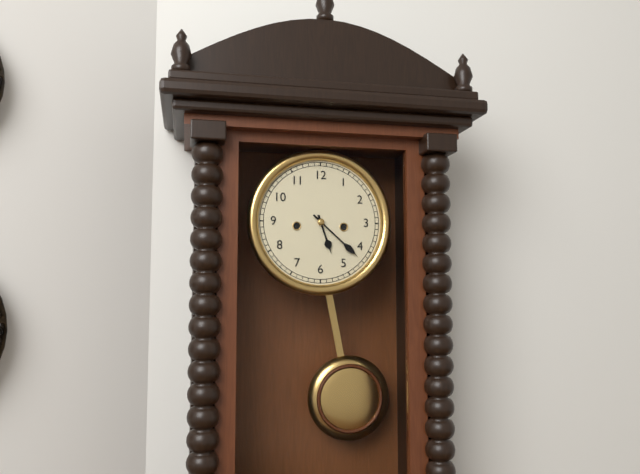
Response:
5h22
